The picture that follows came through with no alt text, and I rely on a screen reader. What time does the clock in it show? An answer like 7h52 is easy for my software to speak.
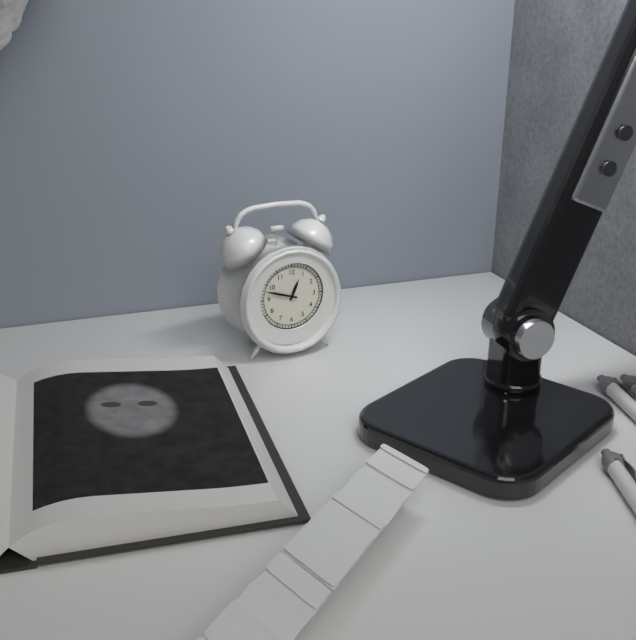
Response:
12h48
